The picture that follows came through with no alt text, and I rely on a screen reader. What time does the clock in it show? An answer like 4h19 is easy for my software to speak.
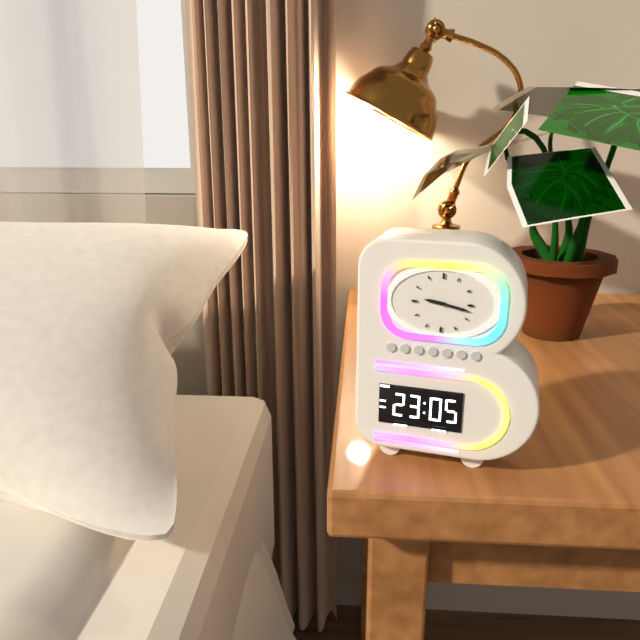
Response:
9h17
